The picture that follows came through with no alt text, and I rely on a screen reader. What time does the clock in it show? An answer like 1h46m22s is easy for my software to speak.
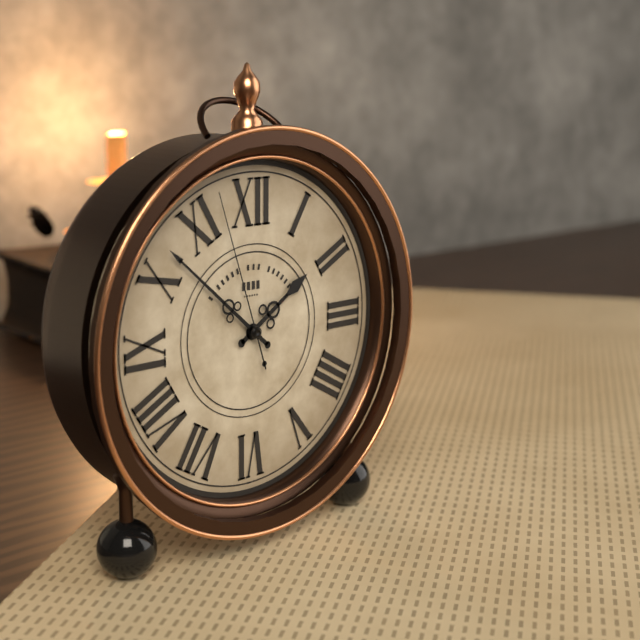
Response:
1h52m57s
